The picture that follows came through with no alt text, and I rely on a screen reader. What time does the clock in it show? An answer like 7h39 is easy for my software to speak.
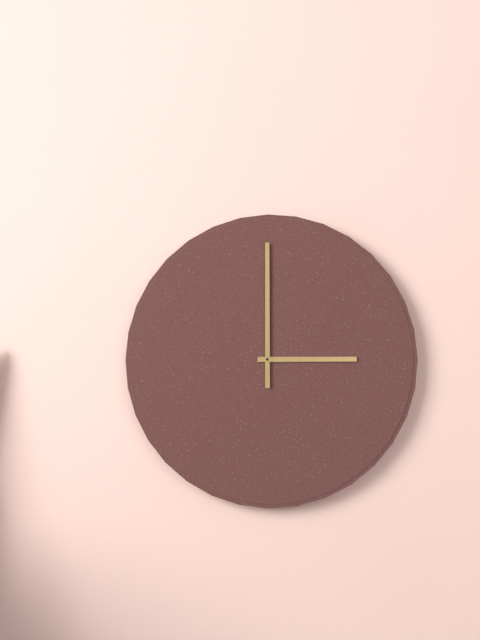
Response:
3h00
